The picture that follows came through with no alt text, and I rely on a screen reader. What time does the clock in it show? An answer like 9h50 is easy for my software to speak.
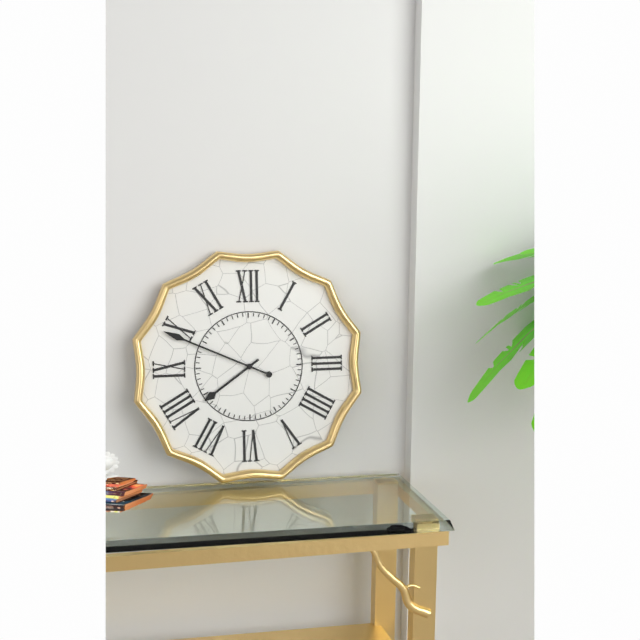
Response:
7h49
